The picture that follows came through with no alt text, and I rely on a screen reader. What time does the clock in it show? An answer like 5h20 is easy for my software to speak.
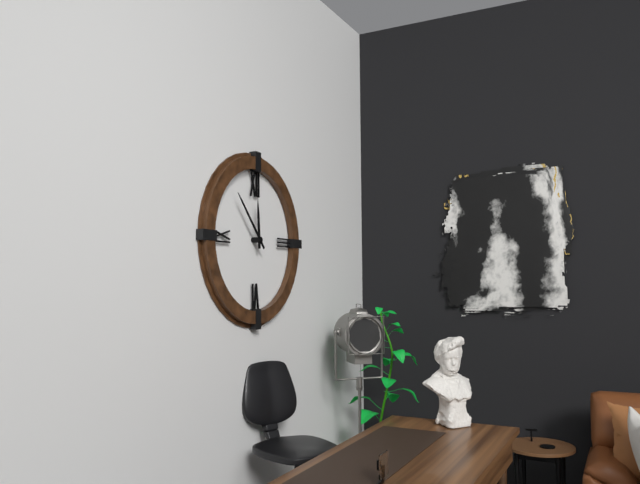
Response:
11h53
